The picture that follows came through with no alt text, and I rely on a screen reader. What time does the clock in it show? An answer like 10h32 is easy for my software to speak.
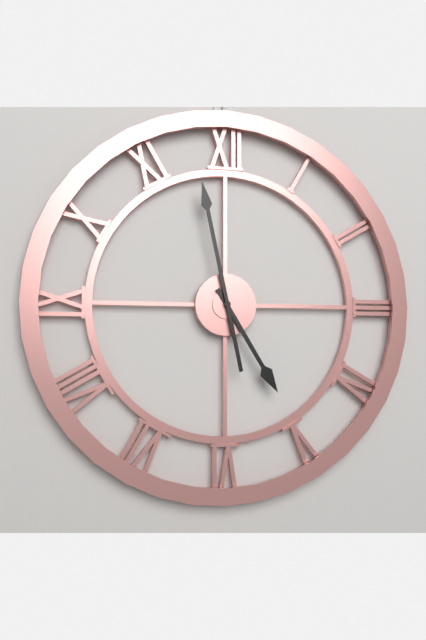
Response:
4h58
